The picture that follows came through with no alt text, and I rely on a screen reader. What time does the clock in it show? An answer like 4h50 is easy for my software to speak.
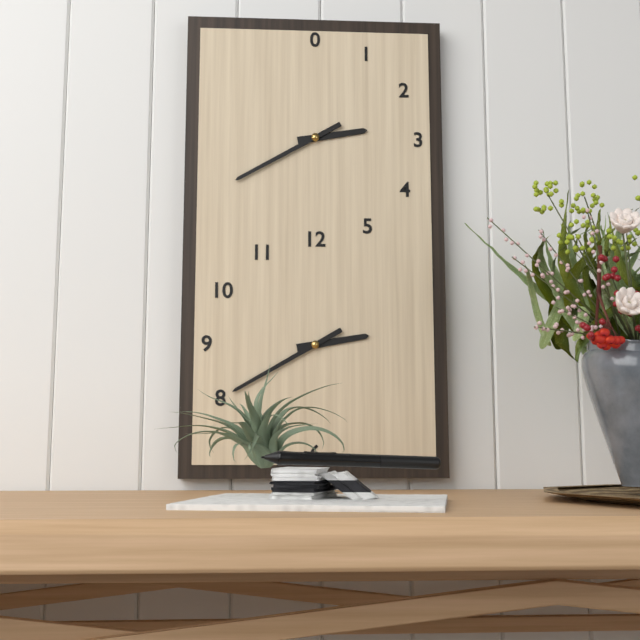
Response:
2h40
